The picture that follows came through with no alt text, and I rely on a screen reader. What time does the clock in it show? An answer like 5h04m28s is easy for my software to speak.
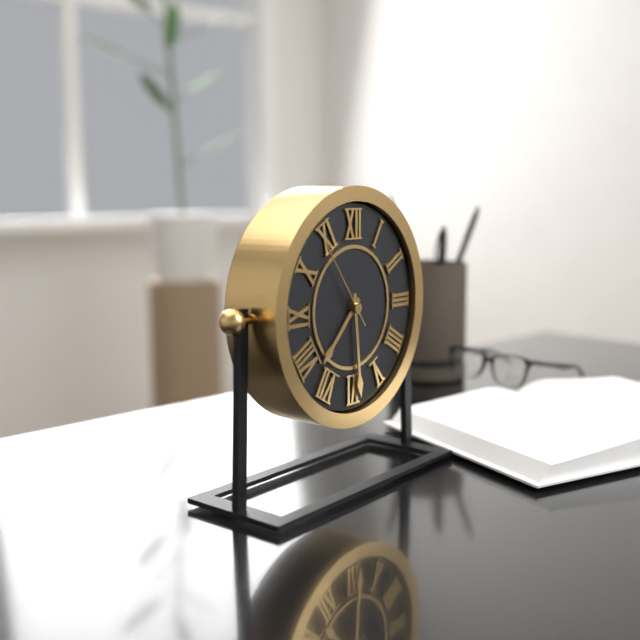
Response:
7h29m54s
